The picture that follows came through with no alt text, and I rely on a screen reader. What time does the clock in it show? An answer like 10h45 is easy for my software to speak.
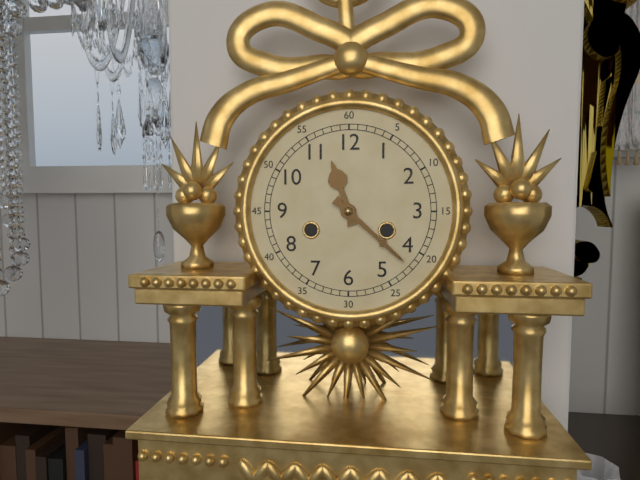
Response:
11h22
